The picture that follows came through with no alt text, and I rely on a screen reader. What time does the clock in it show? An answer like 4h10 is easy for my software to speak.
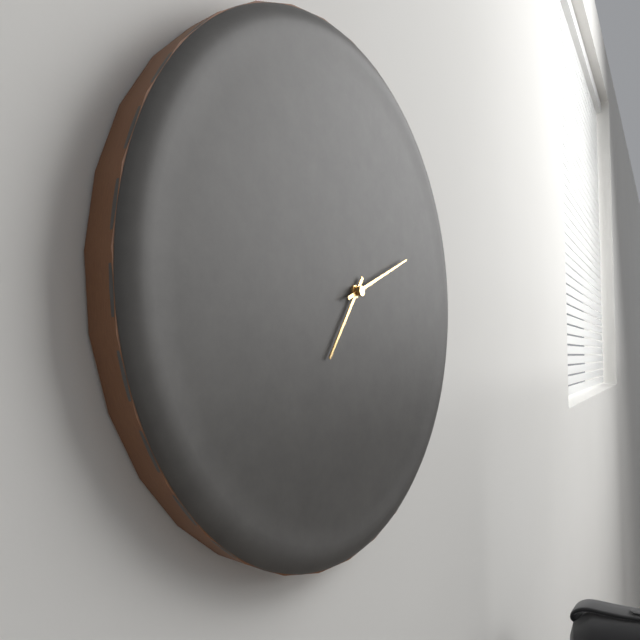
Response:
7h11
